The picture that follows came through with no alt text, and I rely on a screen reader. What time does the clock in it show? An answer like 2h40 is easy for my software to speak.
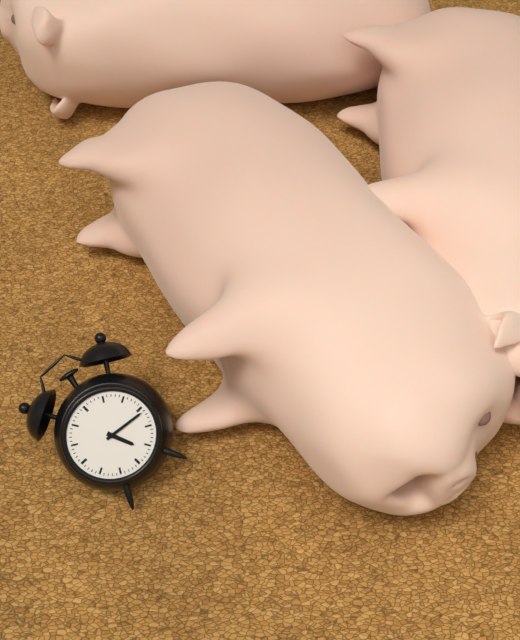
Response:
5h16
